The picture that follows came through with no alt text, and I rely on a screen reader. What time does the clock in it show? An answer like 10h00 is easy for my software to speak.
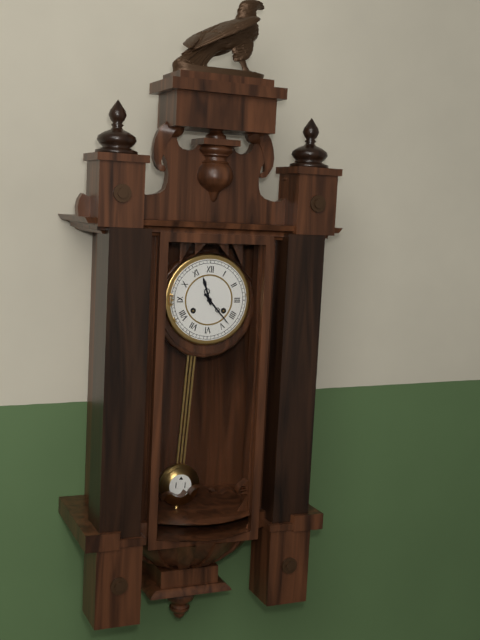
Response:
11h23
